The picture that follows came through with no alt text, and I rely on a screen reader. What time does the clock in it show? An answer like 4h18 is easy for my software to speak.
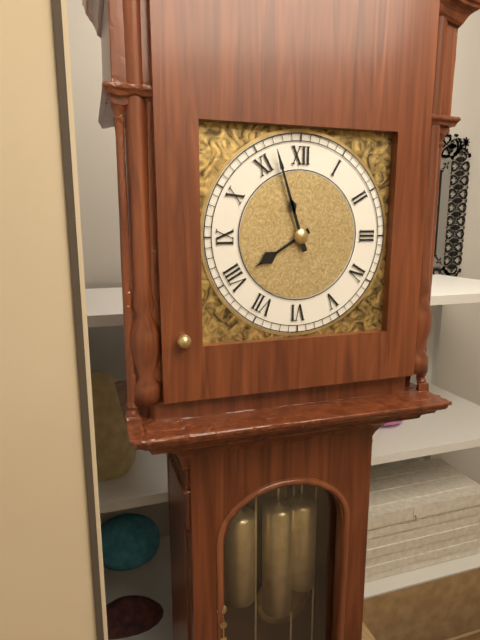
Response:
7h57
